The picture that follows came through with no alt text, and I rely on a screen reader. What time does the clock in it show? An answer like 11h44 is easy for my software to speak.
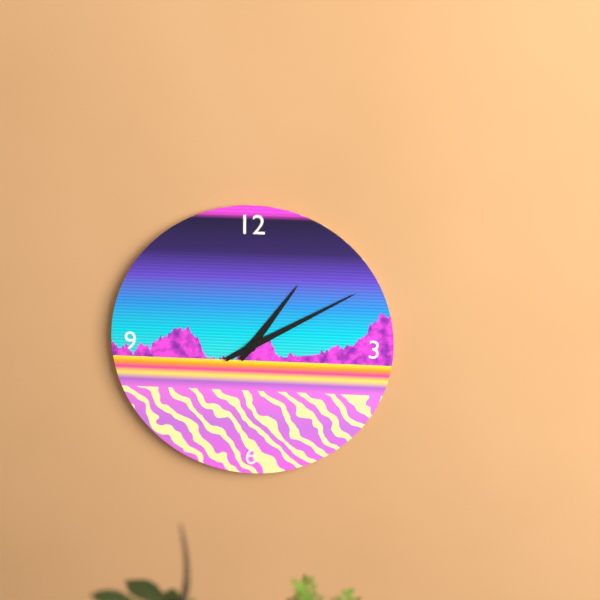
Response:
1h10
